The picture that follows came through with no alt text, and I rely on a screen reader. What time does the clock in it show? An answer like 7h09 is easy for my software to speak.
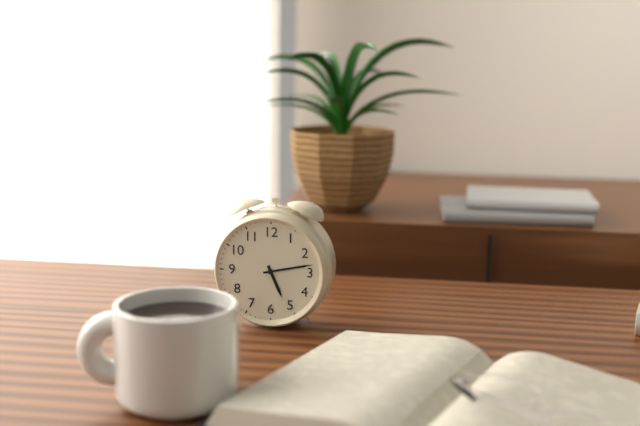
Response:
5h13
